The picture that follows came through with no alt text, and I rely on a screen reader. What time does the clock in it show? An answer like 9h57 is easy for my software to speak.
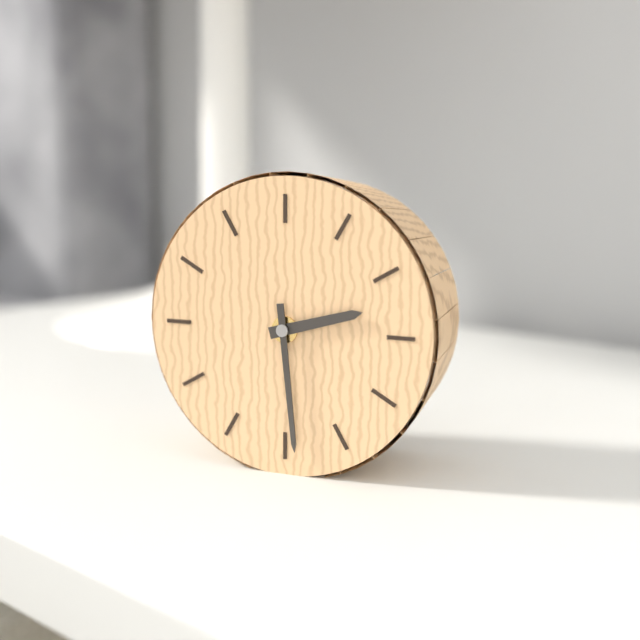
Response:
2h29
